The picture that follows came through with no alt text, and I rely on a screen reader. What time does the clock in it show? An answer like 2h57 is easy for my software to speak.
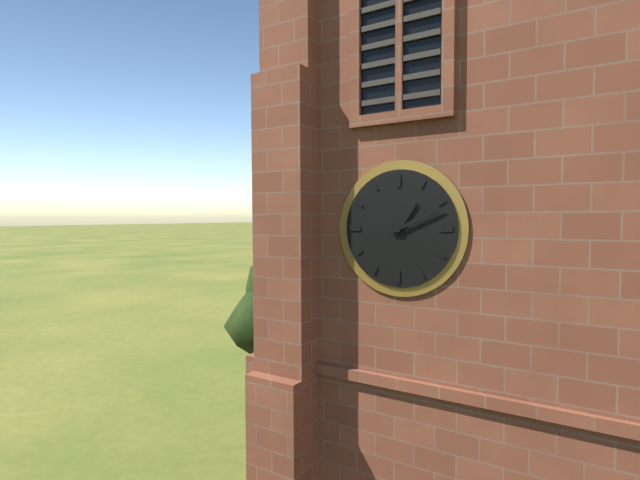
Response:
1h11
